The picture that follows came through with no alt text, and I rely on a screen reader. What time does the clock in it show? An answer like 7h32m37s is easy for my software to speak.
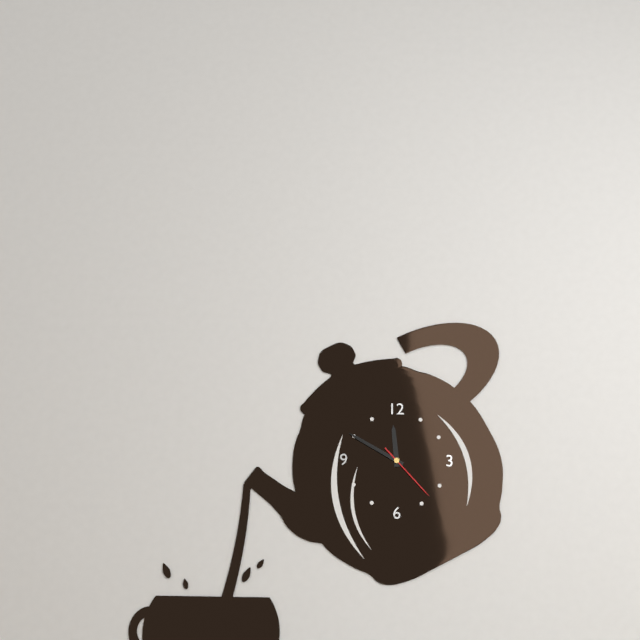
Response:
11h50m23s
